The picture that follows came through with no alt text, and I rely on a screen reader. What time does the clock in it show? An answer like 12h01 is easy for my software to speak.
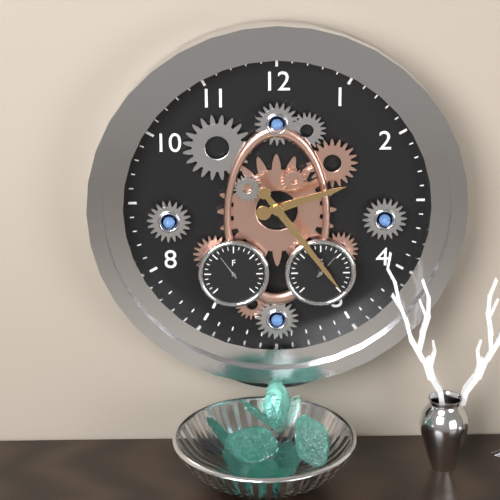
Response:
2h24
